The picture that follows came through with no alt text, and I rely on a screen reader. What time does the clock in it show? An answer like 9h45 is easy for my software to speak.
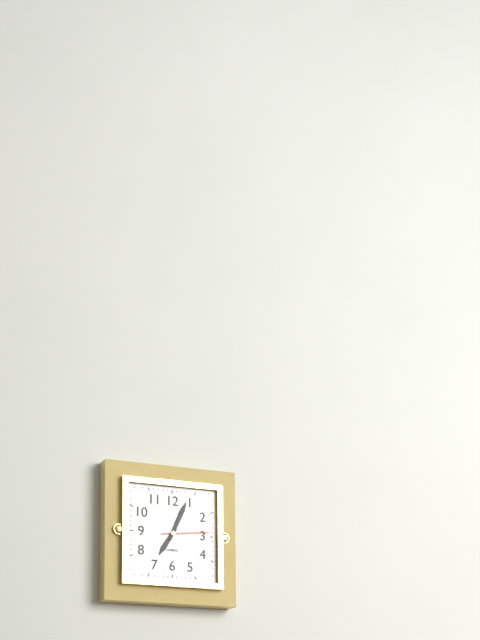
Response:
7h04
